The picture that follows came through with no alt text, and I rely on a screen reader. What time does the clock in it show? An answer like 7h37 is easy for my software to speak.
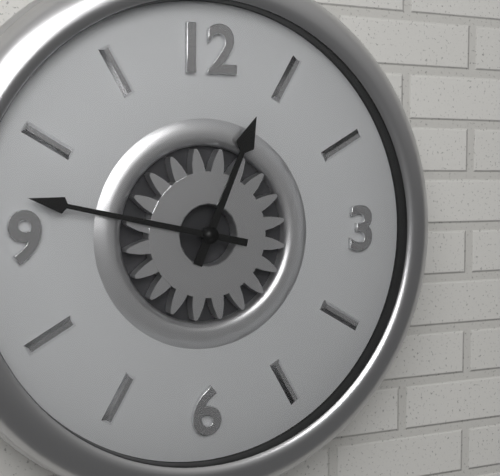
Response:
12h47
